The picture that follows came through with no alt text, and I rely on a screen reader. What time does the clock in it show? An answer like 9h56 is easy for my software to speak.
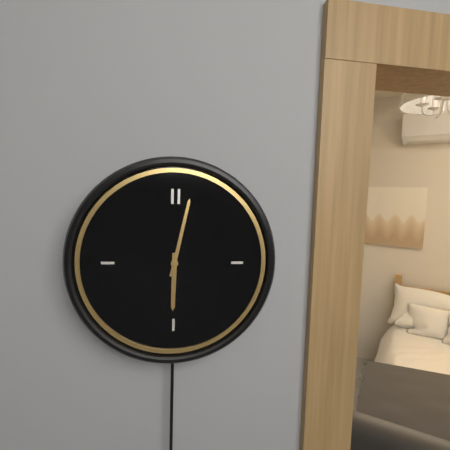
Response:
6h02
